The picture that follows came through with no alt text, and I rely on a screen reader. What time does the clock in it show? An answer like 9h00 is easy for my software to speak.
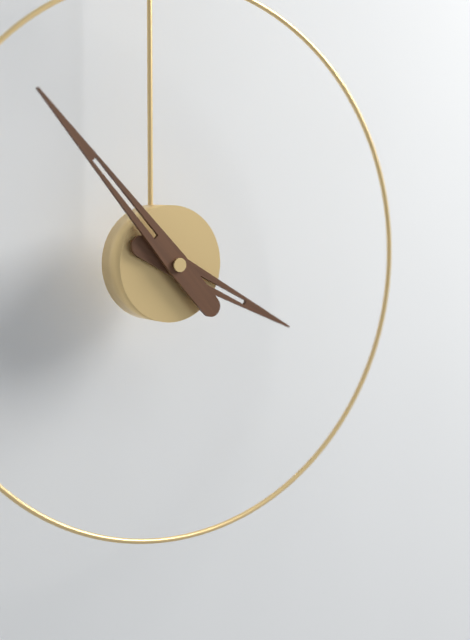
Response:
3h53
